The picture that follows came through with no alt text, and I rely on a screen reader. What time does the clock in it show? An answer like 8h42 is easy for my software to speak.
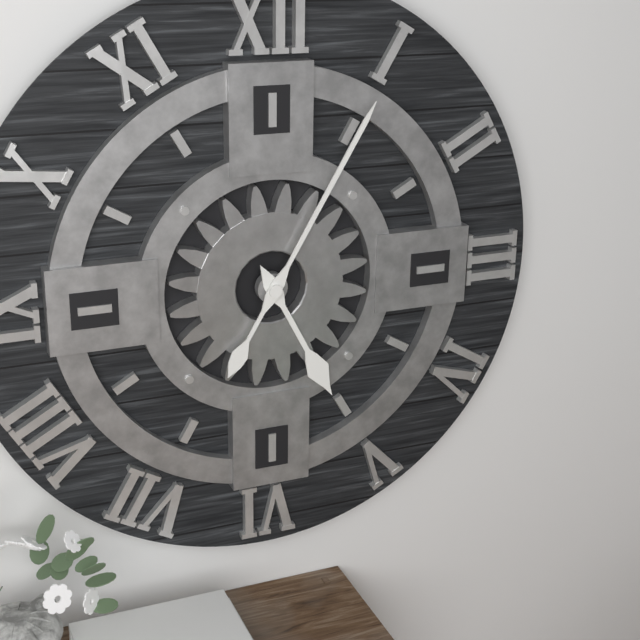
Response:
5h05
